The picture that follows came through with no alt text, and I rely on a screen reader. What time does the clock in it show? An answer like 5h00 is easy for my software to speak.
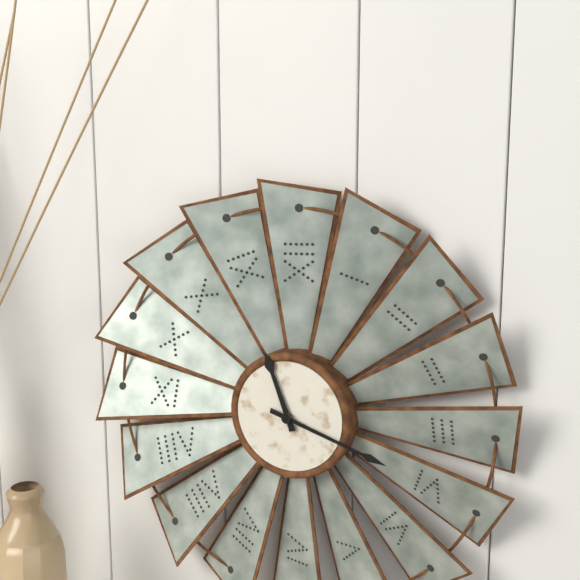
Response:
11h18
